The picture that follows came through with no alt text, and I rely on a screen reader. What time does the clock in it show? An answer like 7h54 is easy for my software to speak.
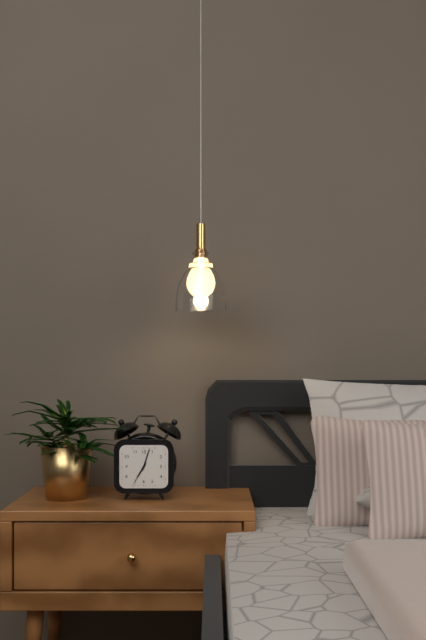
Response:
7h03
